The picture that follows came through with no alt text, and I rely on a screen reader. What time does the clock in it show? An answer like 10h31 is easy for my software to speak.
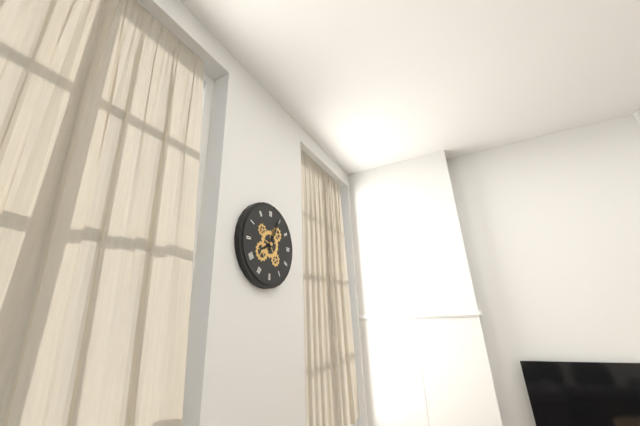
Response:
8h04
